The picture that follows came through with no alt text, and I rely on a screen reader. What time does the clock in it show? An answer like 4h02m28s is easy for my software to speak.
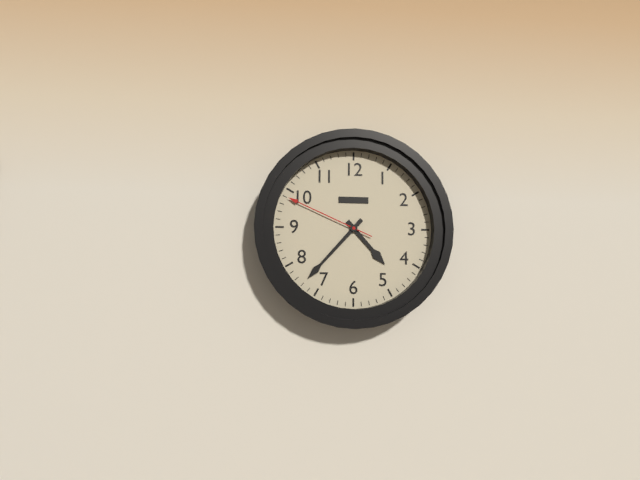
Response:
4h37m49s
